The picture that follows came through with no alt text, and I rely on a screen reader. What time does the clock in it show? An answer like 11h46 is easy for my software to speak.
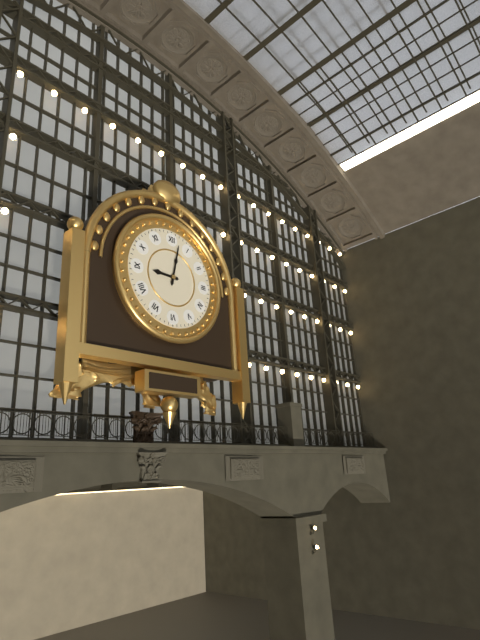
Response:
9h02
